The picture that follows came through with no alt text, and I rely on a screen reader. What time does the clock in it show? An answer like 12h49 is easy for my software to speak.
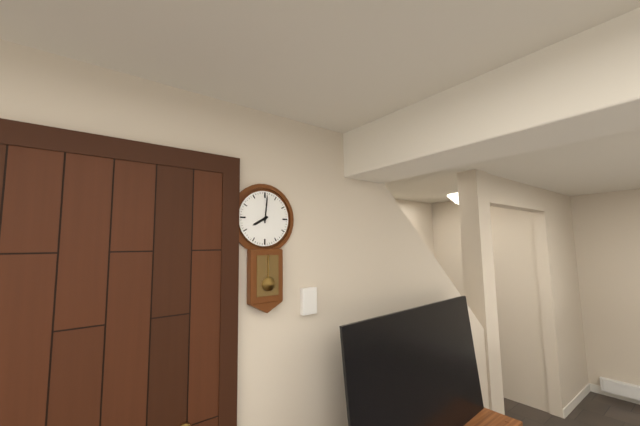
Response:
8h01
